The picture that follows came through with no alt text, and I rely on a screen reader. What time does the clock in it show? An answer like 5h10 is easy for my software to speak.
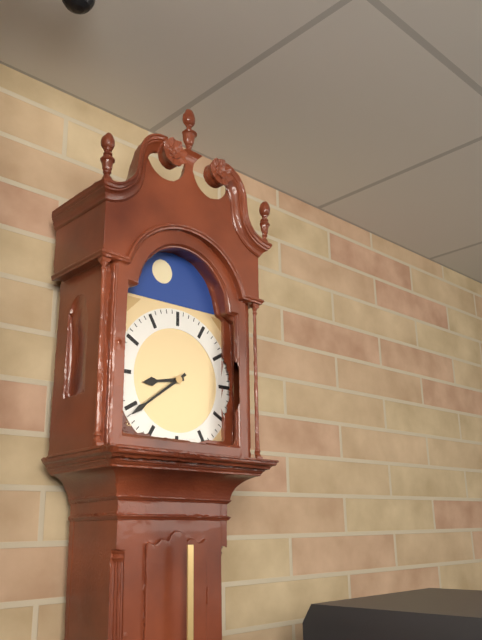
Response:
8h39
